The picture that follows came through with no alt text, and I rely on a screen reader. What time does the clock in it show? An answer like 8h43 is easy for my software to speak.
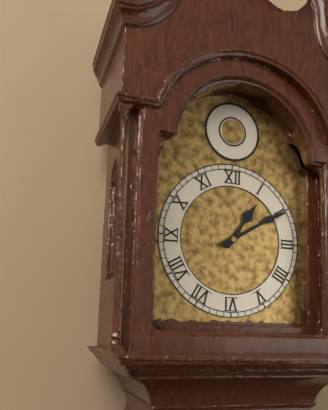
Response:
1h10
